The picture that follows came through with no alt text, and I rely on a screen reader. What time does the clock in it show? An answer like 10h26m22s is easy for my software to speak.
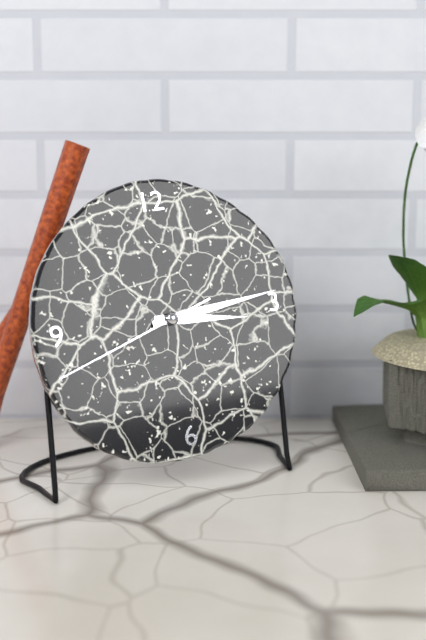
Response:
3h14m42s
